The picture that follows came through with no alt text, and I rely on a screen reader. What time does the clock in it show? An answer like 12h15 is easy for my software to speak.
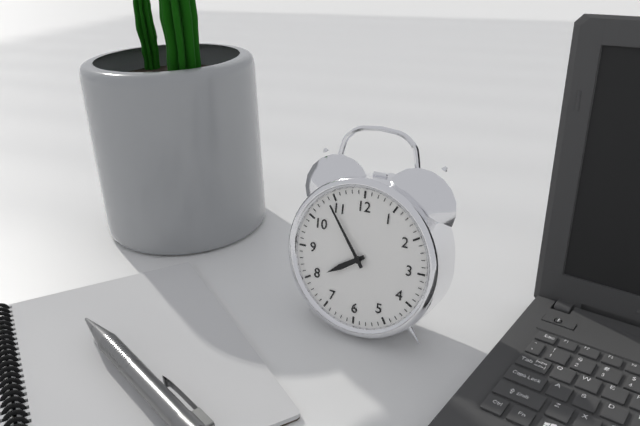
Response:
7h54
